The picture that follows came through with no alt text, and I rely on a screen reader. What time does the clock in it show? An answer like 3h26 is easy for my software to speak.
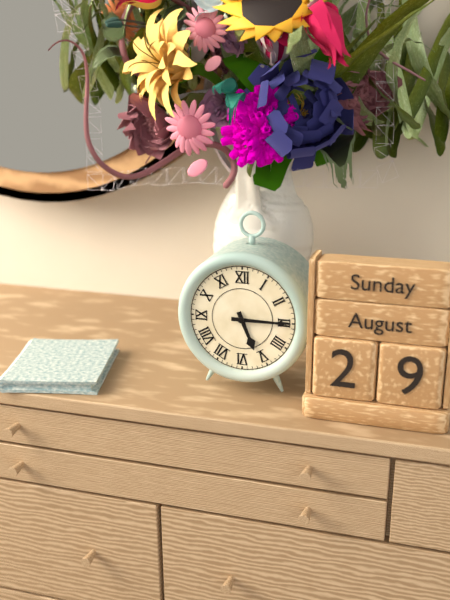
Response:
5h15
